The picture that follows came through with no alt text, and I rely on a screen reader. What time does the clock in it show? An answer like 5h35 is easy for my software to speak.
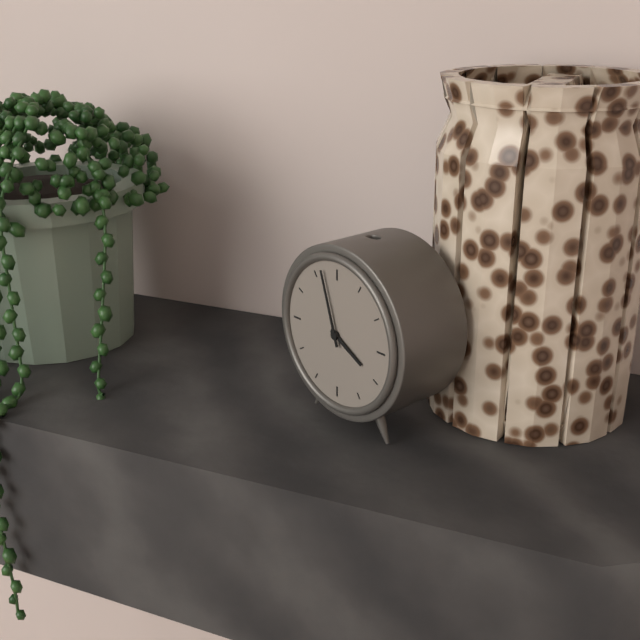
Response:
3h57
